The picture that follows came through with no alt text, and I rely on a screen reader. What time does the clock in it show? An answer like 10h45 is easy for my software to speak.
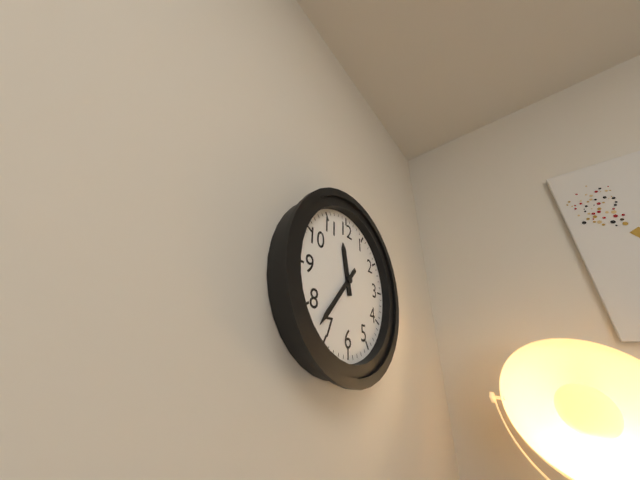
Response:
11h37
